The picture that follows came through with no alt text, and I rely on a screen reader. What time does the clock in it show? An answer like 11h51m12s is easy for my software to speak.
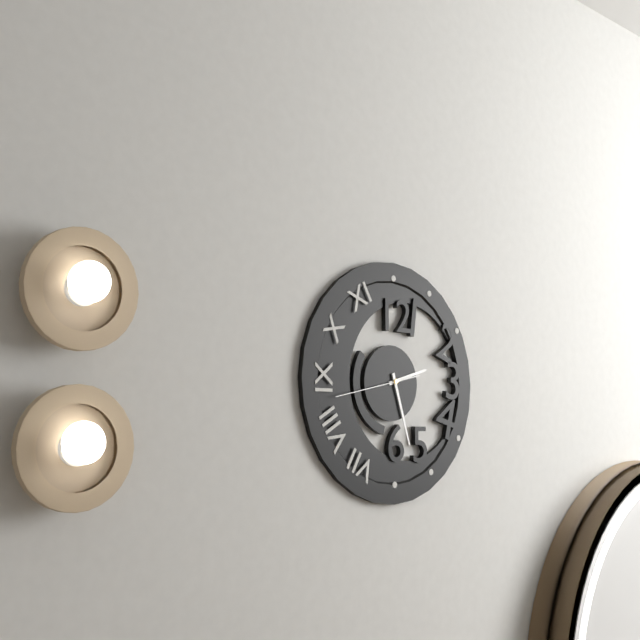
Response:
2h27m43s
